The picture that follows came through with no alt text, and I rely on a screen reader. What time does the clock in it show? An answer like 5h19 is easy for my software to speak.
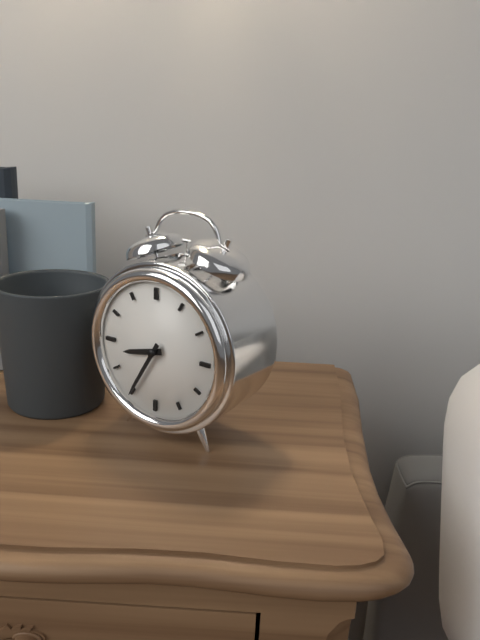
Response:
8h35
